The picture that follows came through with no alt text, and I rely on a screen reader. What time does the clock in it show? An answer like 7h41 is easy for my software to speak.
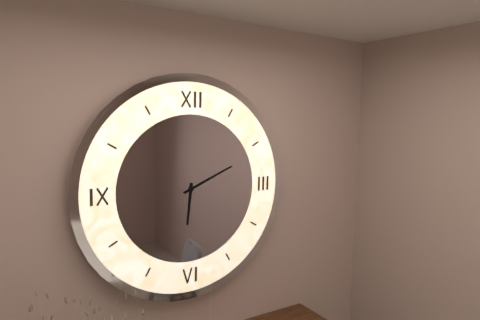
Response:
6h11
